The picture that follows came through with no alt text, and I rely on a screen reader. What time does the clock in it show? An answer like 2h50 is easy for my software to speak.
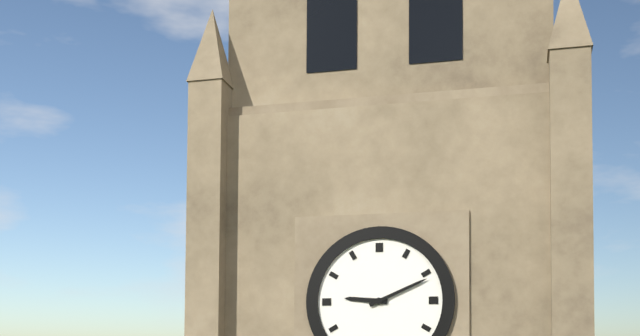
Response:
9h11
